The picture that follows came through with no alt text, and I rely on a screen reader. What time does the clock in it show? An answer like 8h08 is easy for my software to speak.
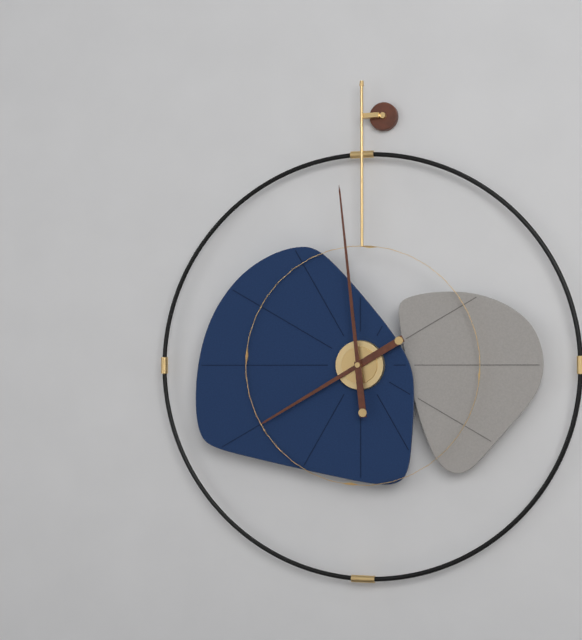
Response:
7h59
